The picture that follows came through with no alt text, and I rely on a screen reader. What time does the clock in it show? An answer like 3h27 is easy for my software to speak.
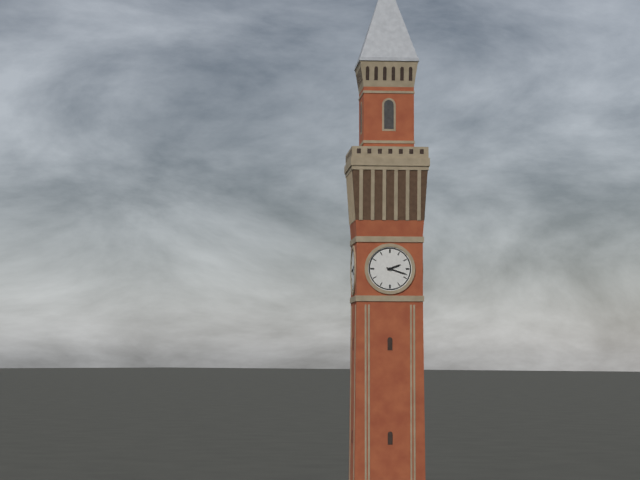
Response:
2h18
